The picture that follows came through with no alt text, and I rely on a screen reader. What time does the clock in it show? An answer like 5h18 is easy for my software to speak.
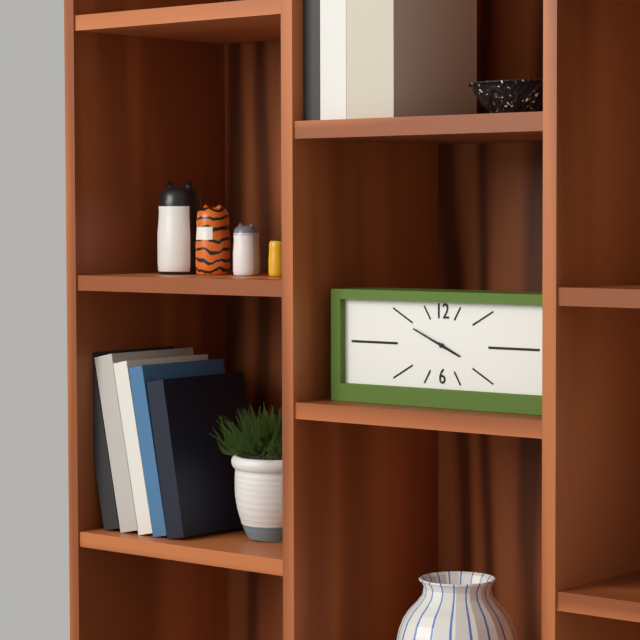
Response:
3h49
